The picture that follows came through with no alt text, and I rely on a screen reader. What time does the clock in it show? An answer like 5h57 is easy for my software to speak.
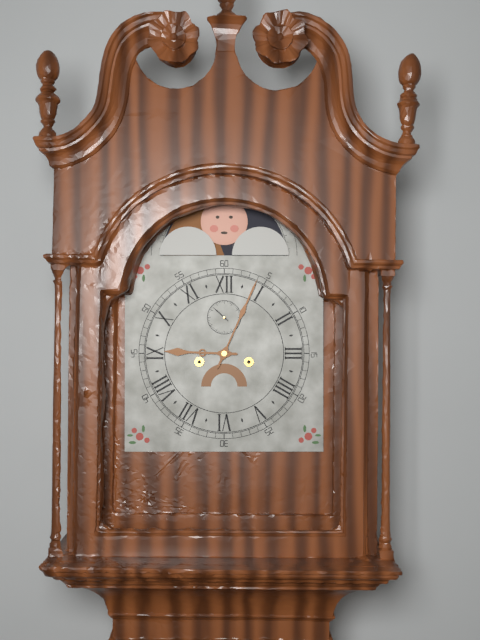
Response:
9h04
